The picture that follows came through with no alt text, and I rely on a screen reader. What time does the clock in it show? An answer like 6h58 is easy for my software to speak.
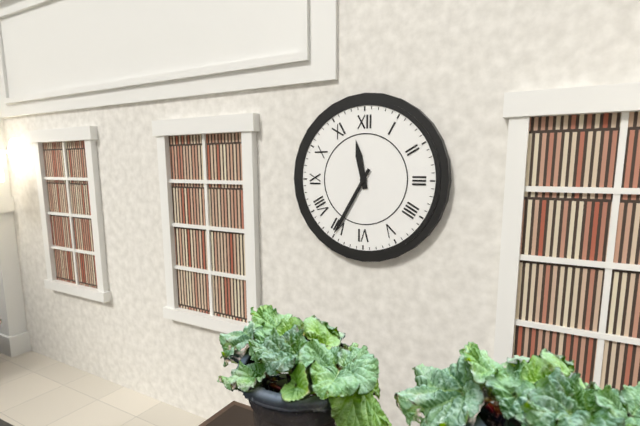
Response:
11h35
